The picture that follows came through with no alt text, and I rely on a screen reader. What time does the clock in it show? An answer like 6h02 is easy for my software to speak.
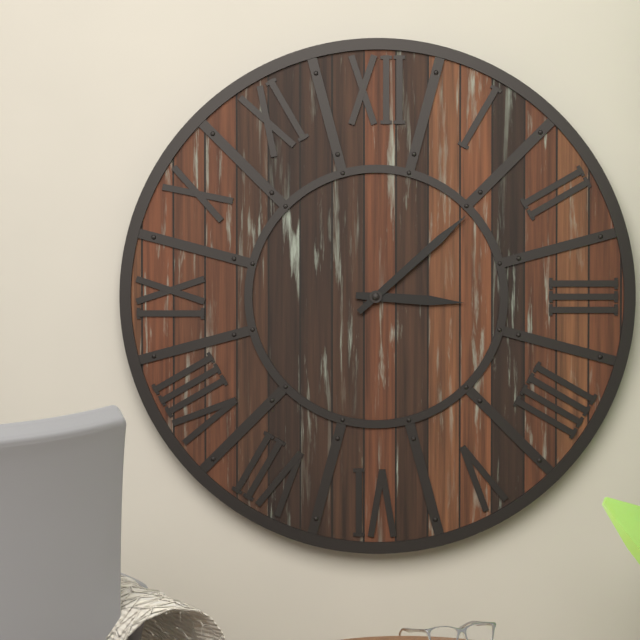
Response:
3h08
